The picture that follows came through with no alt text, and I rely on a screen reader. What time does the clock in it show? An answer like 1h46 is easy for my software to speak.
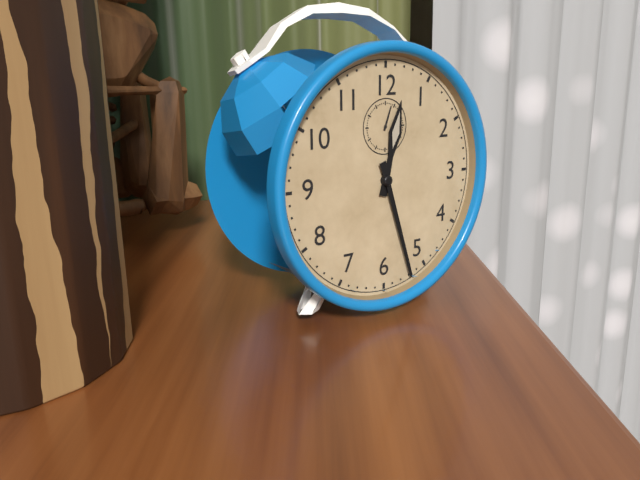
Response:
12h27
